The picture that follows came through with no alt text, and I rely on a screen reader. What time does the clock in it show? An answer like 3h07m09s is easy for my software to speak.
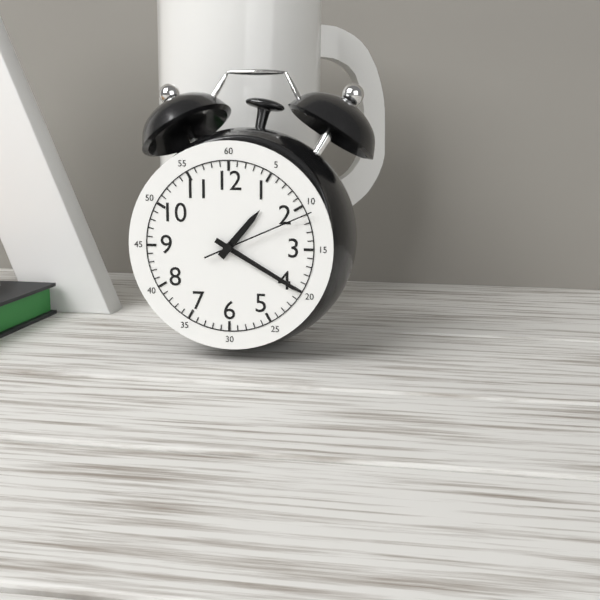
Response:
1h20m11s
